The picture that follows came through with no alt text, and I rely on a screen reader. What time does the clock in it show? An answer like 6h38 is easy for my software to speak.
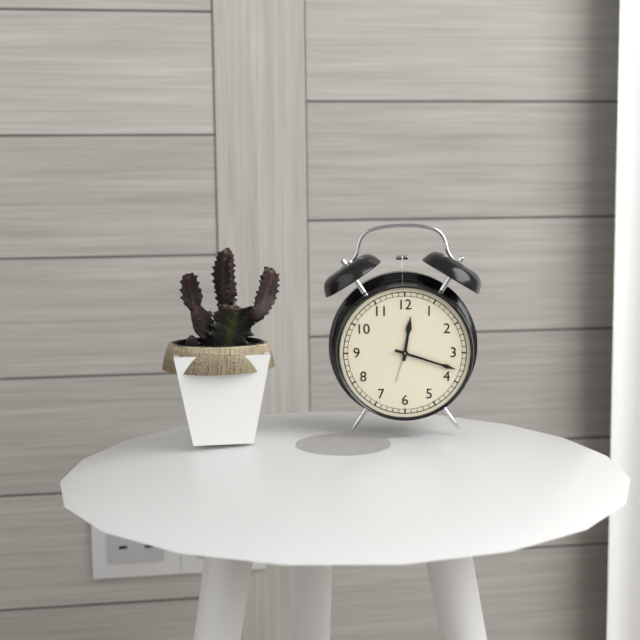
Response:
12h18
